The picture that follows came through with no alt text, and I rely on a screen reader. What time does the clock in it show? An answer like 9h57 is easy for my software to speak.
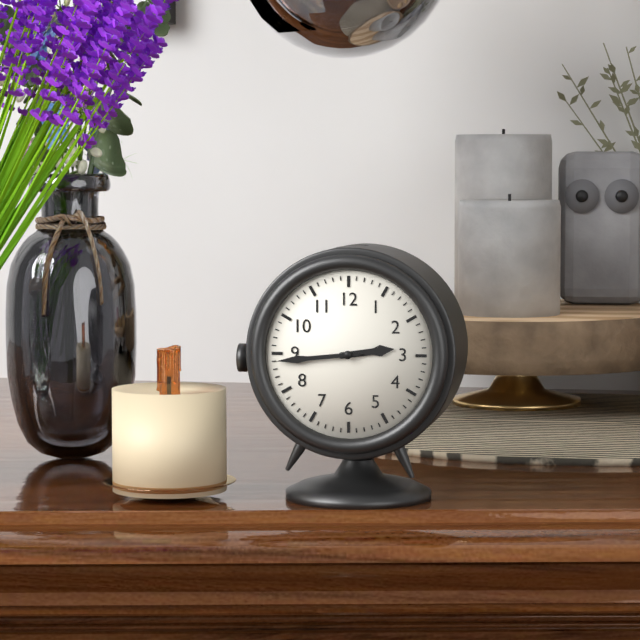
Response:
2h44
